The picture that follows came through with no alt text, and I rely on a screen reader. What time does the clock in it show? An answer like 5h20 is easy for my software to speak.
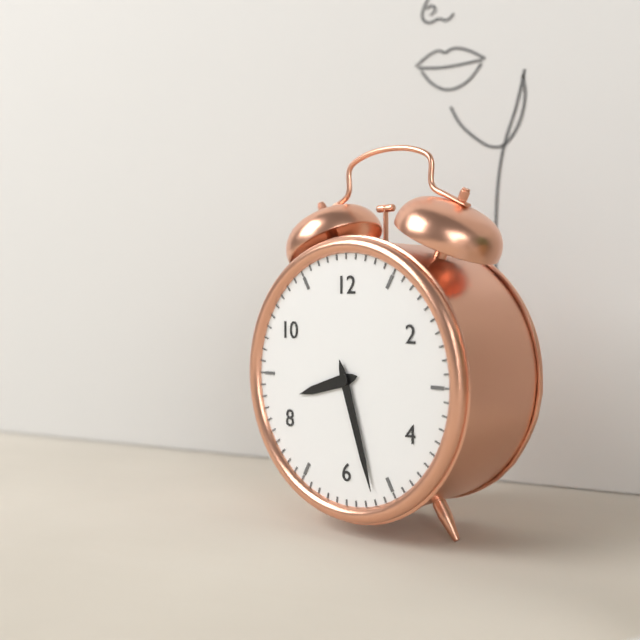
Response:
8h27
